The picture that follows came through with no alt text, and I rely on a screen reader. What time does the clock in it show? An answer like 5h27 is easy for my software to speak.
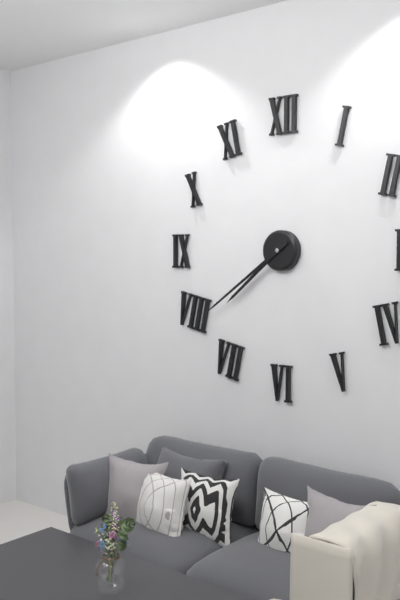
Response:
7h39
